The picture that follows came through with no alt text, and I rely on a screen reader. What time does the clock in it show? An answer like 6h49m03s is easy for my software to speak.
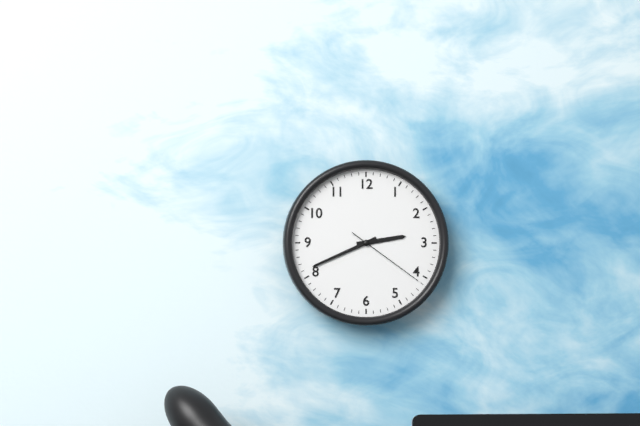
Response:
2h41m21s
